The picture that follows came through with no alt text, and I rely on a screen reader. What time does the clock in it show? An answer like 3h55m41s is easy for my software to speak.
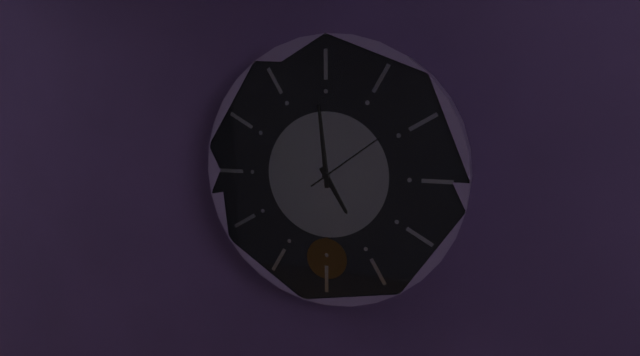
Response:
4h59m09s
